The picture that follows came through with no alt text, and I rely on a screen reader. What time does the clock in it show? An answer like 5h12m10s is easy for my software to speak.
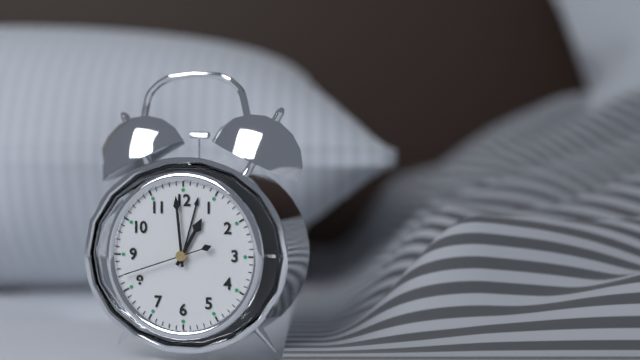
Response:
12h59m42s
